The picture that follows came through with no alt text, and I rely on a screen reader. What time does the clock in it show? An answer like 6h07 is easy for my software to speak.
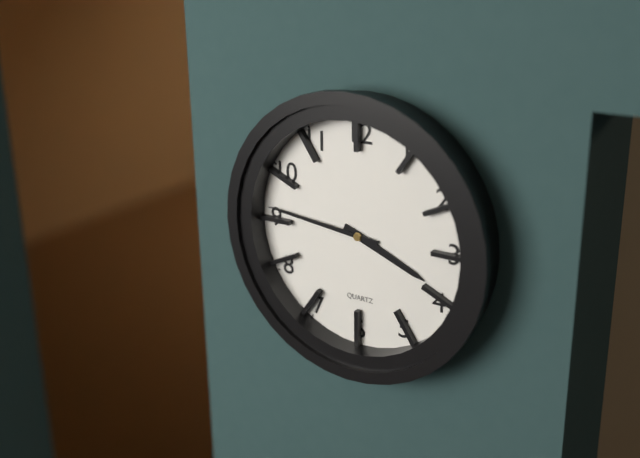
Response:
3h46
